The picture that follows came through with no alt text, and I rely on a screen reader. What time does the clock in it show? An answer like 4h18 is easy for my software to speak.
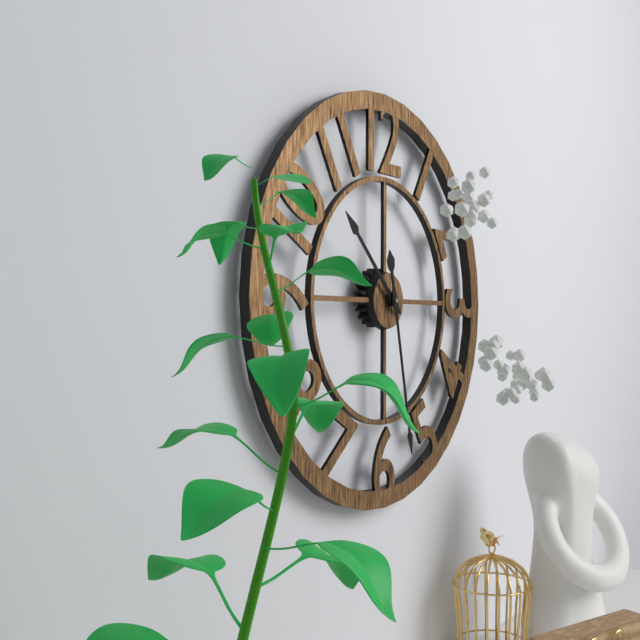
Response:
10h28
